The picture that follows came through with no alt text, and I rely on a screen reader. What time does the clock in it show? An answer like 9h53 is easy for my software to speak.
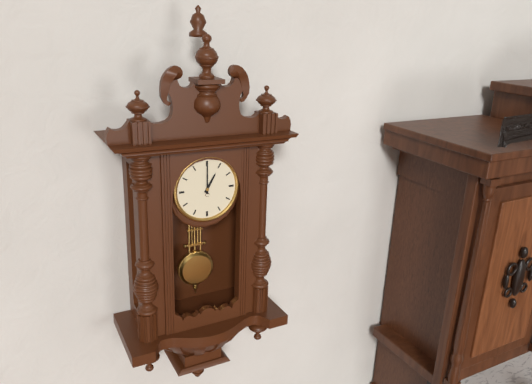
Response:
1h00
